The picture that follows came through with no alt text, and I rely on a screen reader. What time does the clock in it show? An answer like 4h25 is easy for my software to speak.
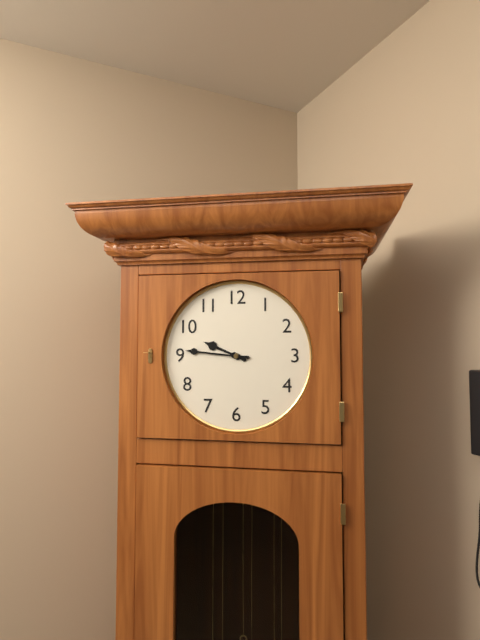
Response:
9h46
